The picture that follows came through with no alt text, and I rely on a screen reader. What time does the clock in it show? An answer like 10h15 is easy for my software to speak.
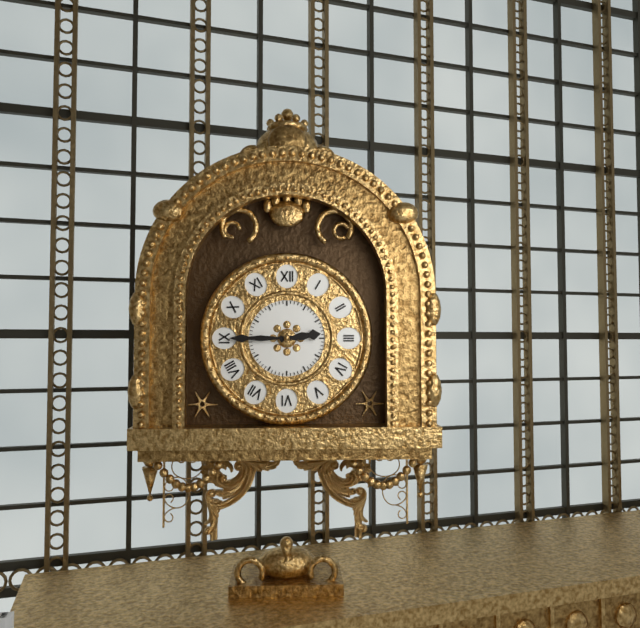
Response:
2h45
